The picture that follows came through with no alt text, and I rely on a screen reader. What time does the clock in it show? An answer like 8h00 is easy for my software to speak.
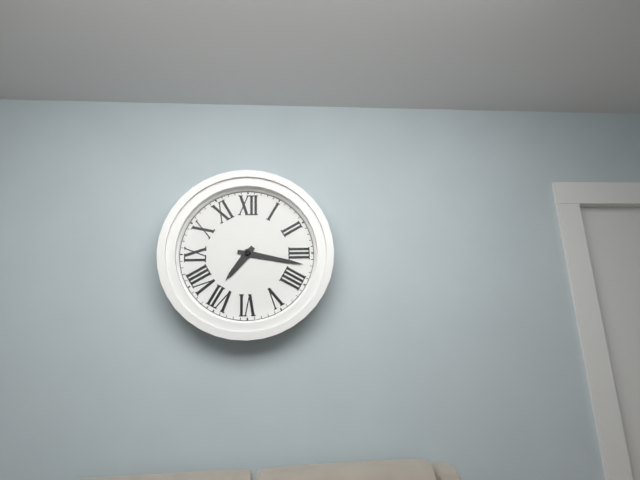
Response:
7h17
